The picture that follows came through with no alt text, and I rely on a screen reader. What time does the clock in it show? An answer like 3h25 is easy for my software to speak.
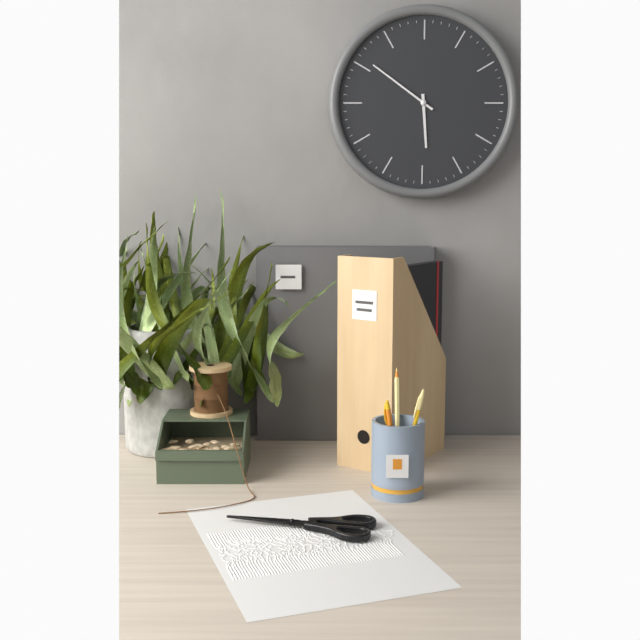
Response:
5h51
